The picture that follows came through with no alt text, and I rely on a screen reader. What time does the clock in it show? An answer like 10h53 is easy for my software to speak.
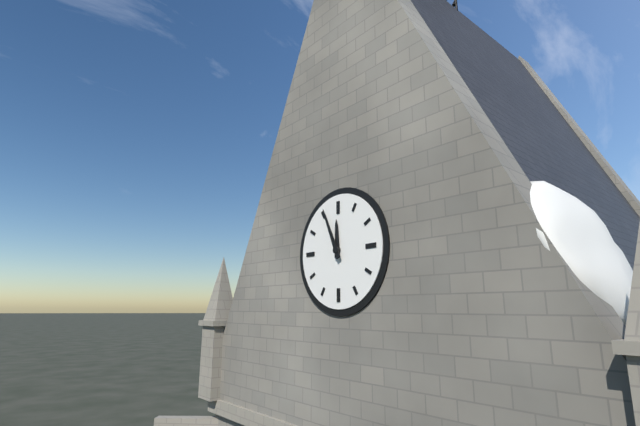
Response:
11h56
